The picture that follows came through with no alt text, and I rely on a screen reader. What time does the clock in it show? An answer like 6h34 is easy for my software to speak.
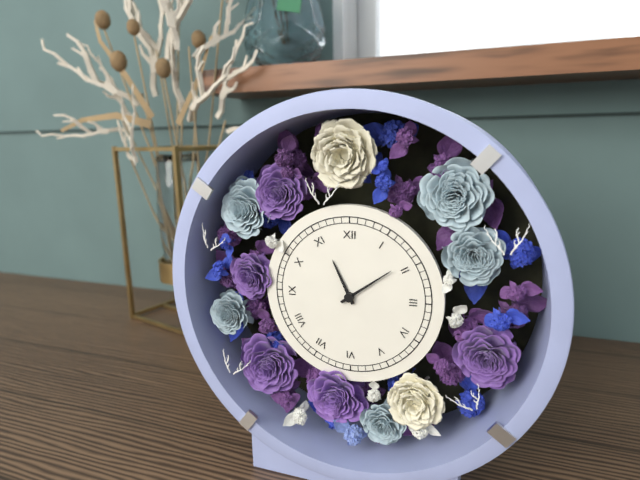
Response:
11h09
